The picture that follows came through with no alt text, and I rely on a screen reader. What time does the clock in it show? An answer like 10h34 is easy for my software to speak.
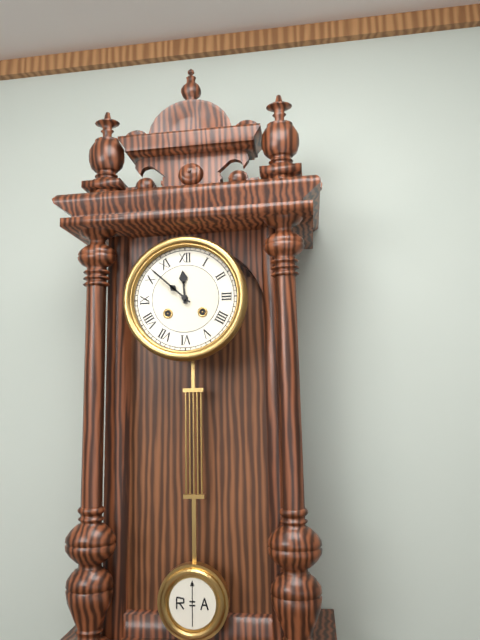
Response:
11h52
